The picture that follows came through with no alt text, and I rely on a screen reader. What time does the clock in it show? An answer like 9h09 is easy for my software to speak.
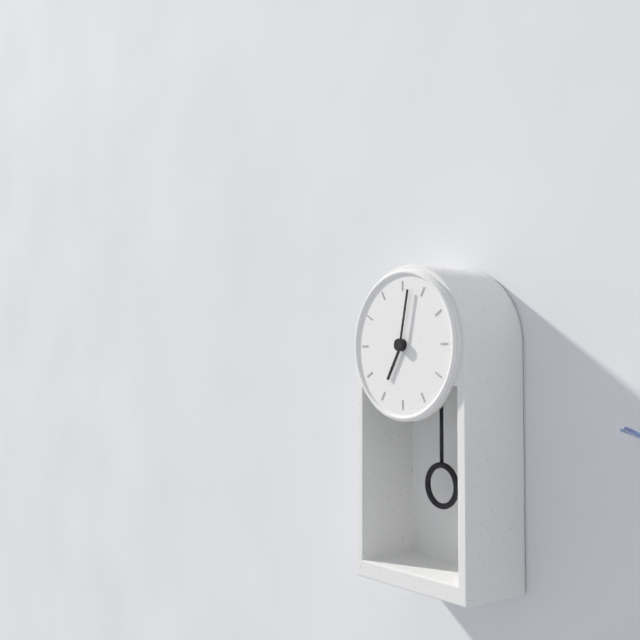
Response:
7h02
